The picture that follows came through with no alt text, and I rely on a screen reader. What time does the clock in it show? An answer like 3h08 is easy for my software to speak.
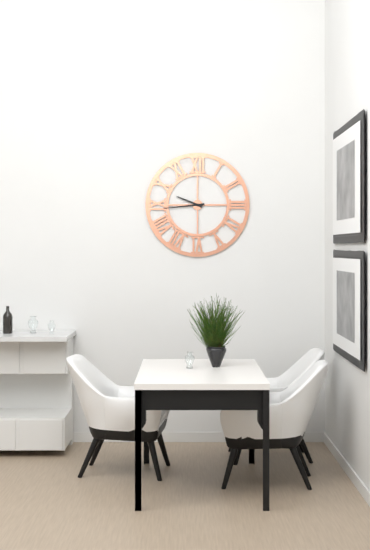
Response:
9h44
